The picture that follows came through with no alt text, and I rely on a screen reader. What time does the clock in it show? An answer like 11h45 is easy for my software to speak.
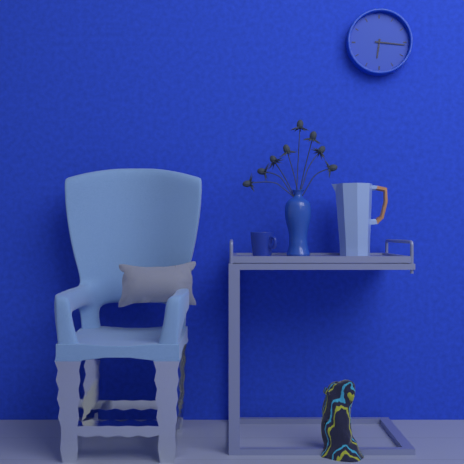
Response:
6h16
